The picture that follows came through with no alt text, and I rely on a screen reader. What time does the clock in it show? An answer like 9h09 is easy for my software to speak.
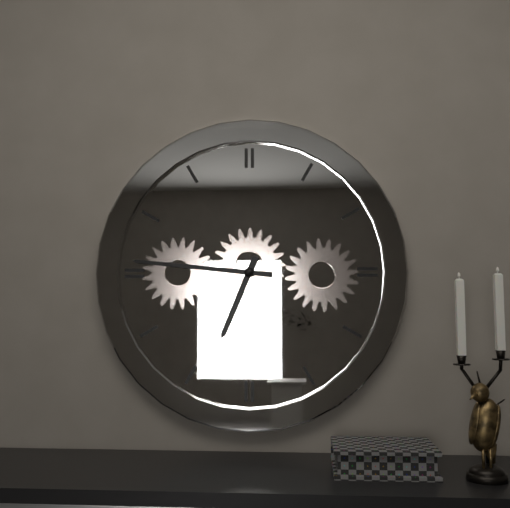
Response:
6h46
